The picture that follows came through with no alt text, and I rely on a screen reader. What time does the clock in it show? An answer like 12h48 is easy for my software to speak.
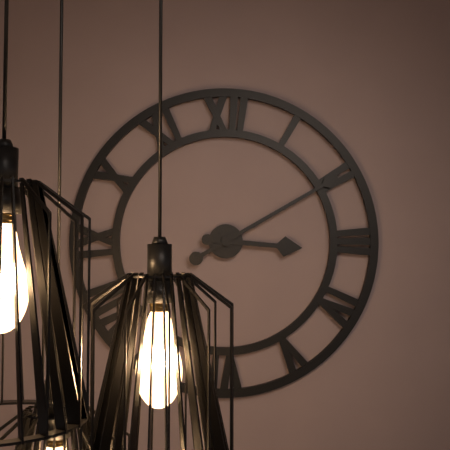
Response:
3h10
